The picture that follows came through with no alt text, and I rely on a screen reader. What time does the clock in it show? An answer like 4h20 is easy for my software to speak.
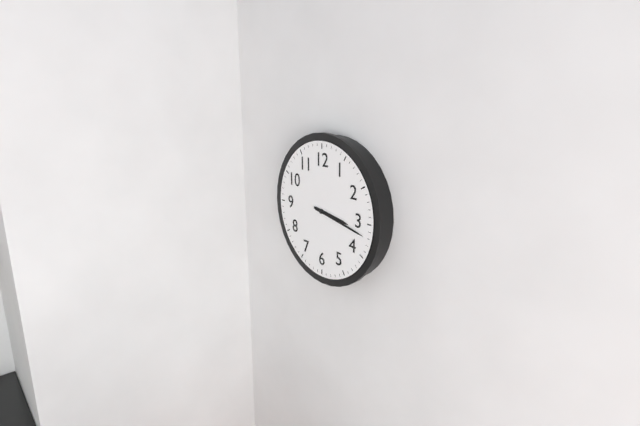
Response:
3h17
